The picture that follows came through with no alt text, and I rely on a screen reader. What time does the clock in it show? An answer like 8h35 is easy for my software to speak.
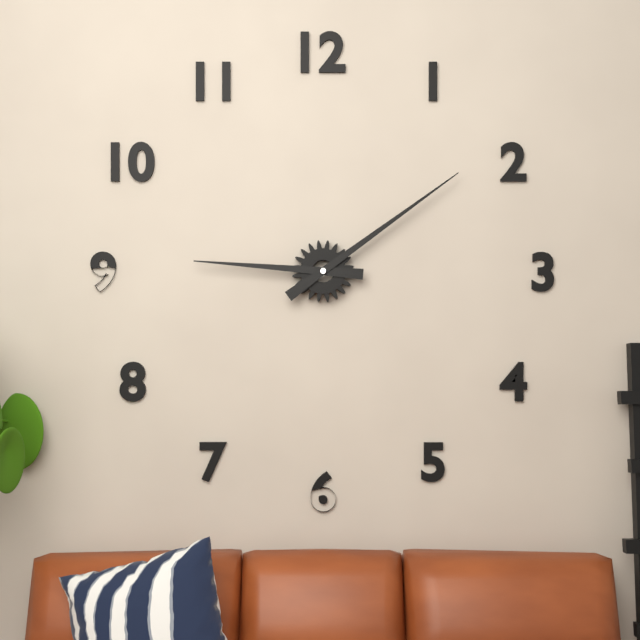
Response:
9h09
